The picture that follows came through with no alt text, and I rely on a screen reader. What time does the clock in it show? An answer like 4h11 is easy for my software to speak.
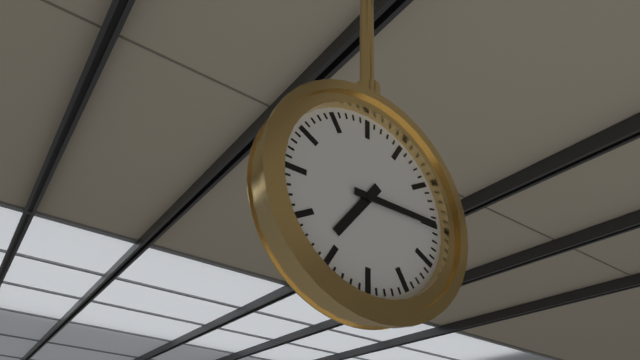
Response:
7h15
